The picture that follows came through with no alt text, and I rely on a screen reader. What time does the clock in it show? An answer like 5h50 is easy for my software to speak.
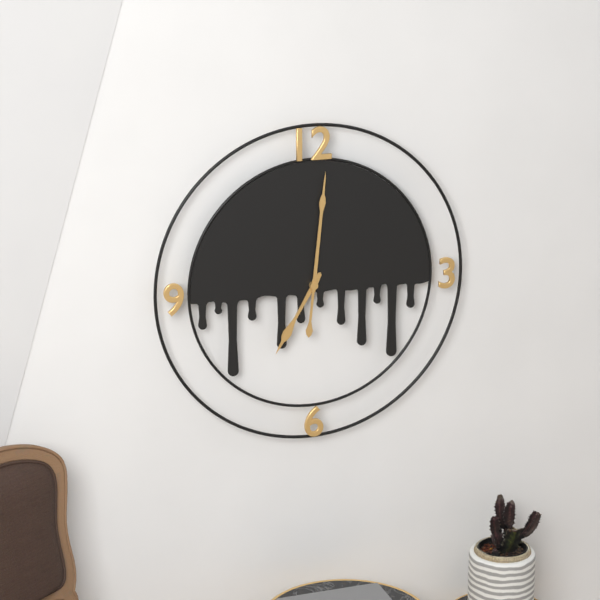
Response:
7h01
